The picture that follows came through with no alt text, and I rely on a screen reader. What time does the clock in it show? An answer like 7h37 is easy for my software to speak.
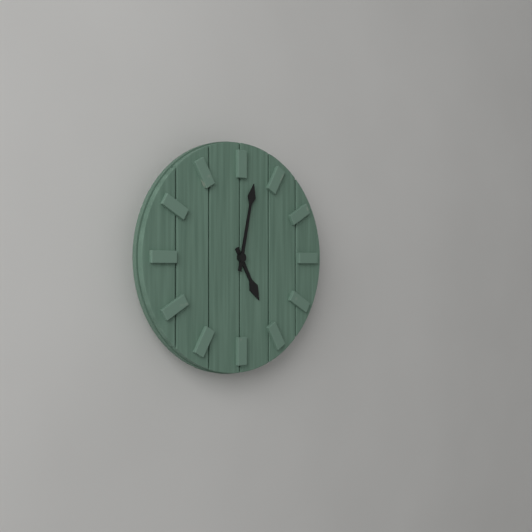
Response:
5h02
